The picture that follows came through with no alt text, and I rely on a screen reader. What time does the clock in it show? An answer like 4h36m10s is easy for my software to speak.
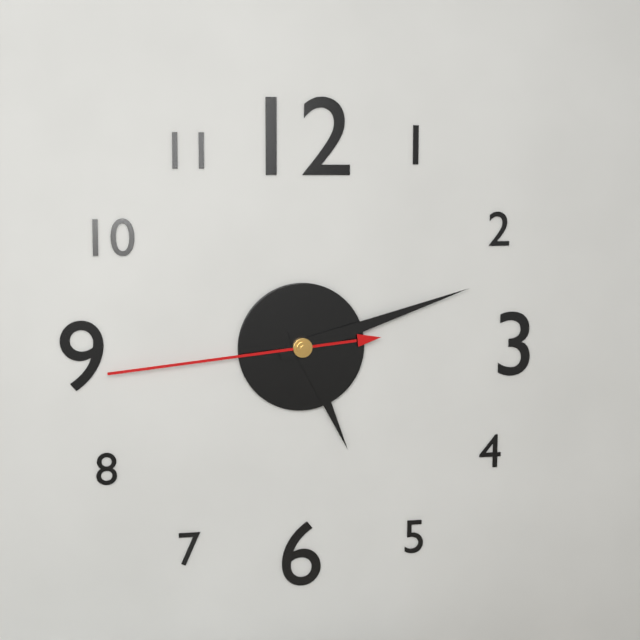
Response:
5h12m44s
